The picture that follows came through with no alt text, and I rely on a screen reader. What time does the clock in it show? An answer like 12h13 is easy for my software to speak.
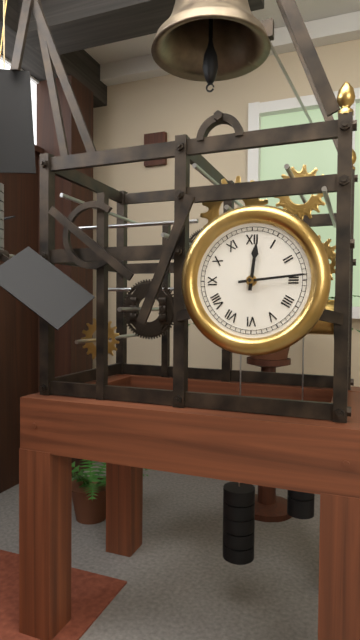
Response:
12h14
